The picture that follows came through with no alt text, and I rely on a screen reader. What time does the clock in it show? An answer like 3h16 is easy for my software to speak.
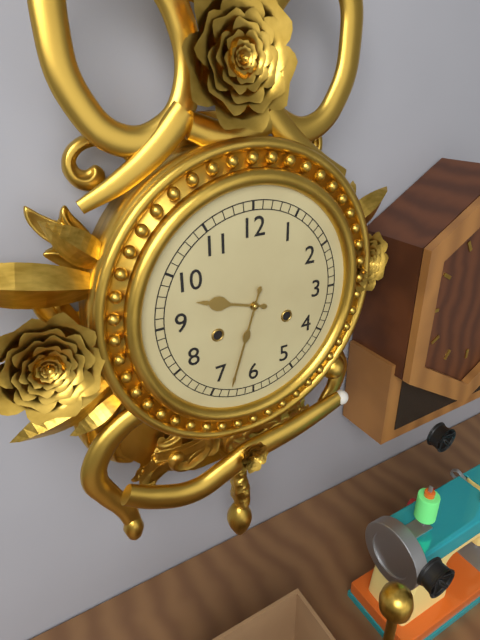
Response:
9h33
